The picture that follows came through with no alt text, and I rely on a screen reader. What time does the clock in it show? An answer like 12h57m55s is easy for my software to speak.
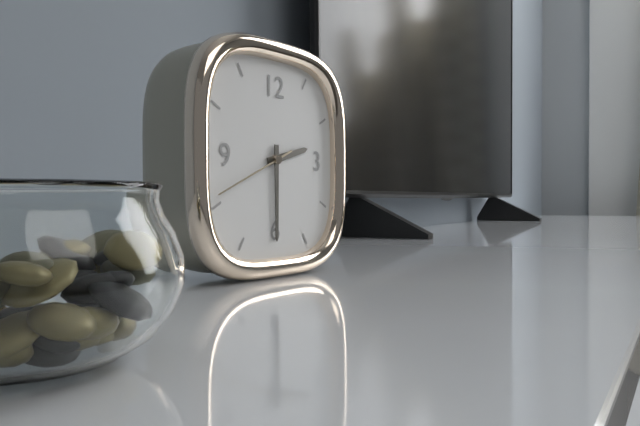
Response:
2h30m41s
